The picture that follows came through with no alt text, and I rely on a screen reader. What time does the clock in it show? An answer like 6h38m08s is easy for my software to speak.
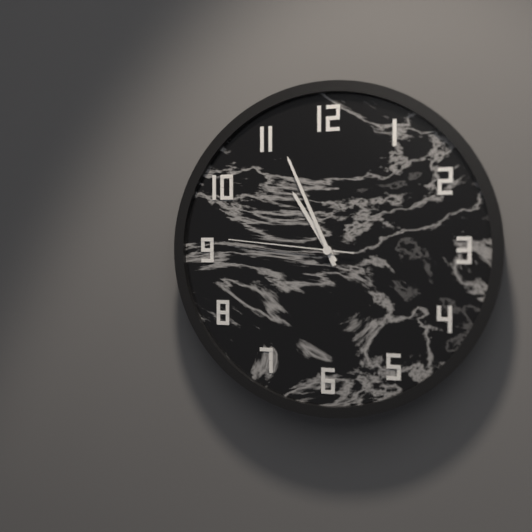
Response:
10h56m46s
